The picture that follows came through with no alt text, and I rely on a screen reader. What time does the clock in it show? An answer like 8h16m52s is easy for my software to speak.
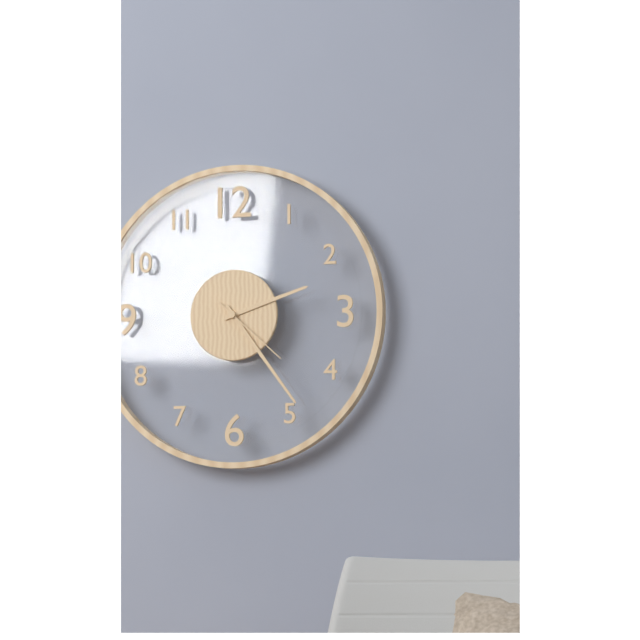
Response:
2h24m22s
